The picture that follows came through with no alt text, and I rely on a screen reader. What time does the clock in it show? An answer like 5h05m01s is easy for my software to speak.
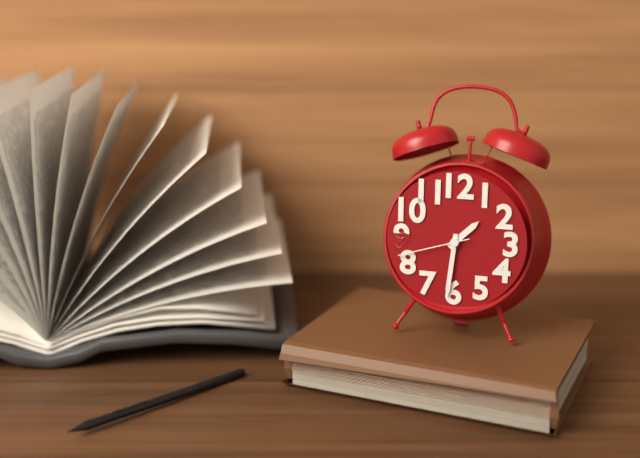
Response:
1h31m42s
